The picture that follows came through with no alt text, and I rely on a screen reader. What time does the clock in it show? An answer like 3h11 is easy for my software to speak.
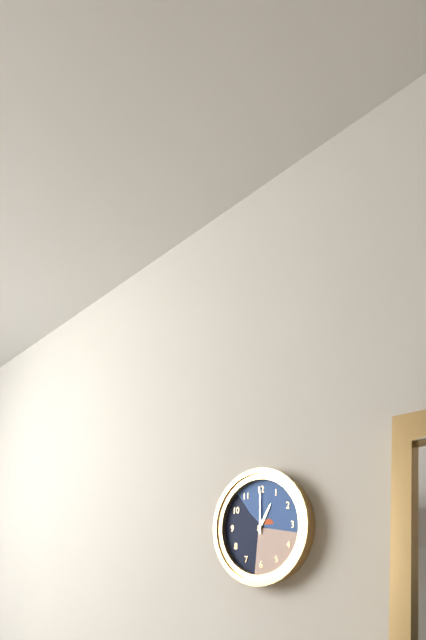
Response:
1h00
